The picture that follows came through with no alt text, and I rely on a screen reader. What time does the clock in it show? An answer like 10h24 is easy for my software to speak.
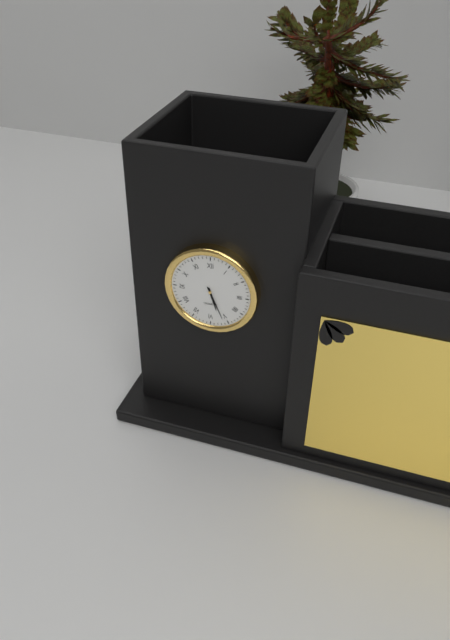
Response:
5h26
